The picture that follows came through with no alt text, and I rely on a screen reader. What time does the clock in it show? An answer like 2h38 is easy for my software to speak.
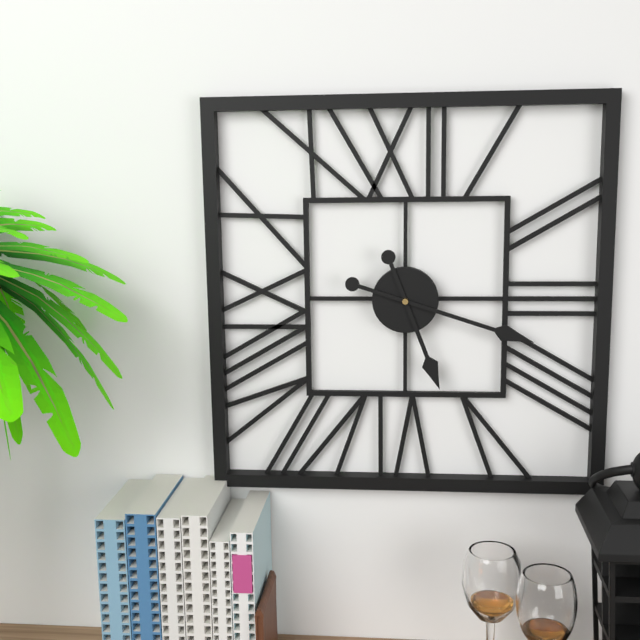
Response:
5h18
